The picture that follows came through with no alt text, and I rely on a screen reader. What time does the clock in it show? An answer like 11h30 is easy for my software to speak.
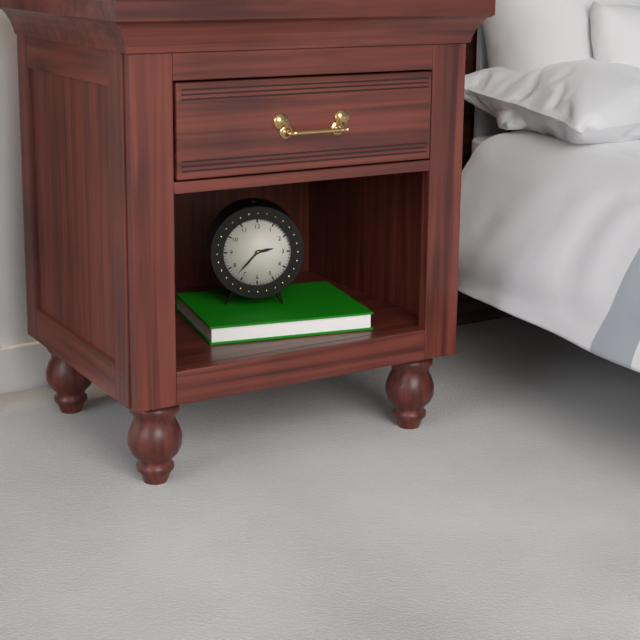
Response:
2h37
